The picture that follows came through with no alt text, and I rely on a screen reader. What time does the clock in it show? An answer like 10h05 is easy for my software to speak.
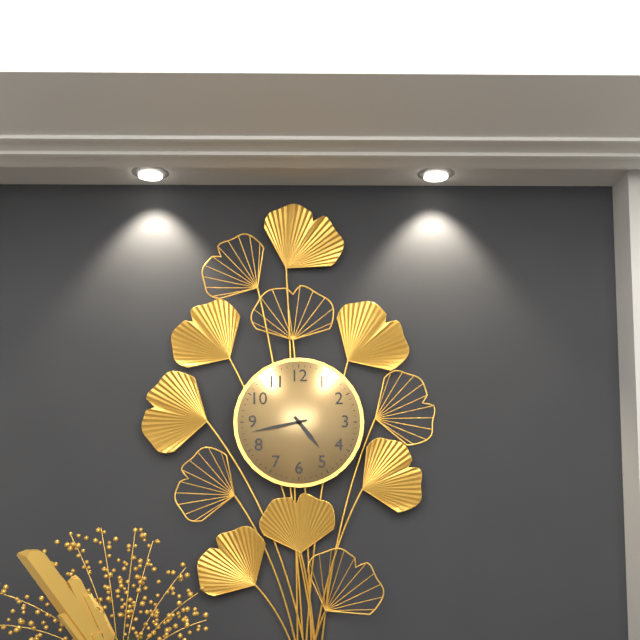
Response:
4h43
